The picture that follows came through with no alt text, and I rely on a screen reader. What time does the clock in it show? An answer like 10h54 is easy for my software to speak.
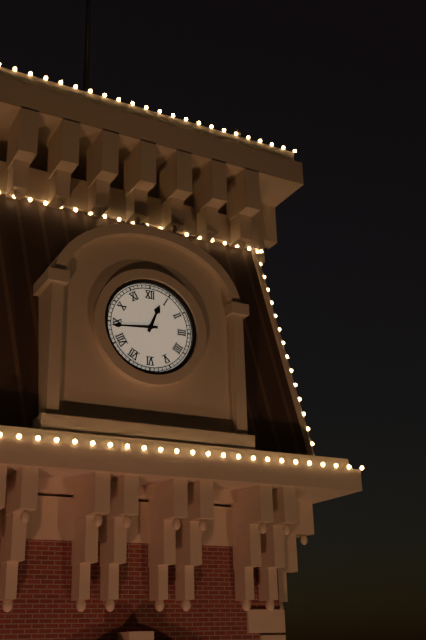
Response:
12h44
